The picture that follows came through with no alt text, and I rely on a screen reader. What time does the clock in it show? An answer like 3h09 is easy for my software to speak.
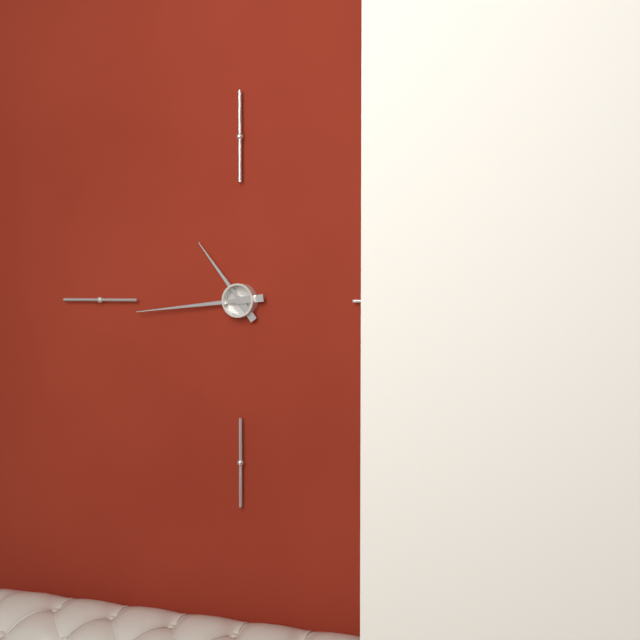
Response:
10h44
